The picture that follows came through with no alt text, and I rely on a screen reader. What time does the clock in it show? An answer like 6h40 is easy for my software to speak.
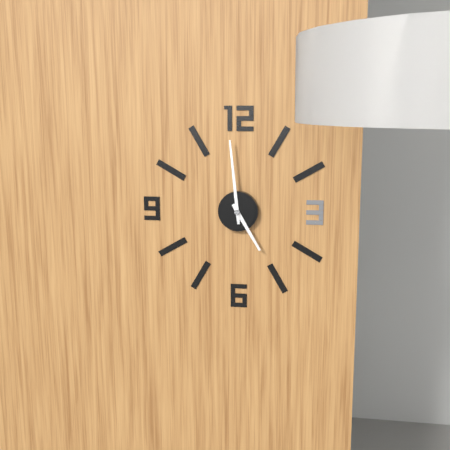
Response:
4h59
